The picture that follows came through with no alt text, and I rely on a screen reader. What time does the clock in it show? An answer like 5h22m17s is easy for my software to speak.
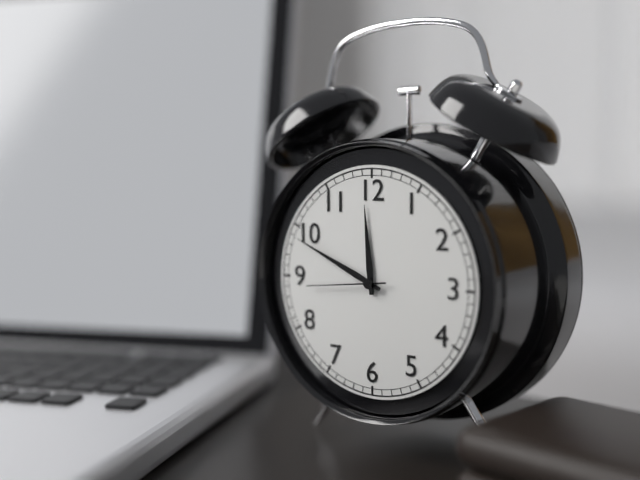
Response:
11h49m44s
